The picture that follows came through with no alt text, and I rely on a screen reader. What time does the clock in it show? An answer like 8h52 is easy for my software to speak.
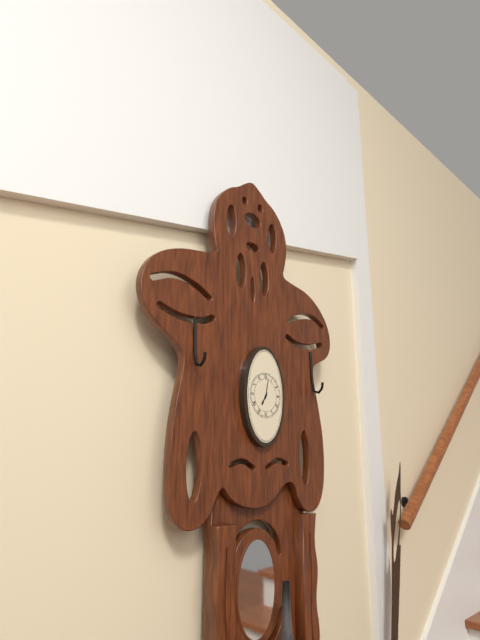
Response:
7h02
